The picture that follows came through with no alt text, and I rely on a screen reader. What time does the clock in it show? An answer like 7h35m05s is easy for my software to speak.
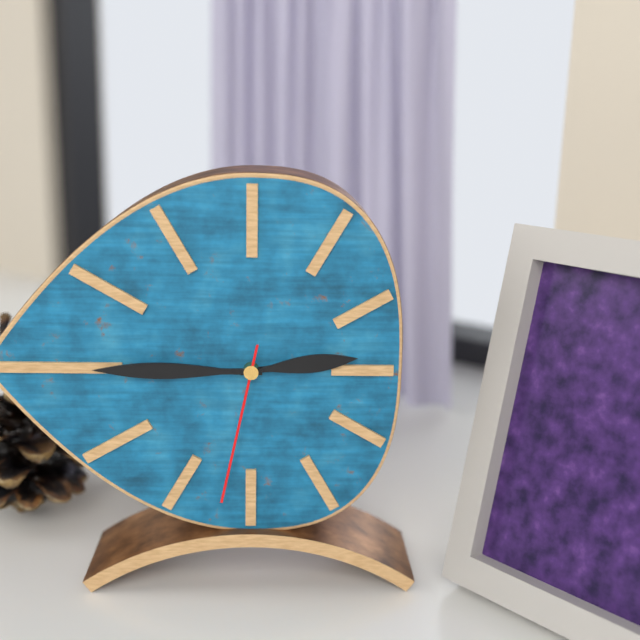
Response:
2h45m32s
